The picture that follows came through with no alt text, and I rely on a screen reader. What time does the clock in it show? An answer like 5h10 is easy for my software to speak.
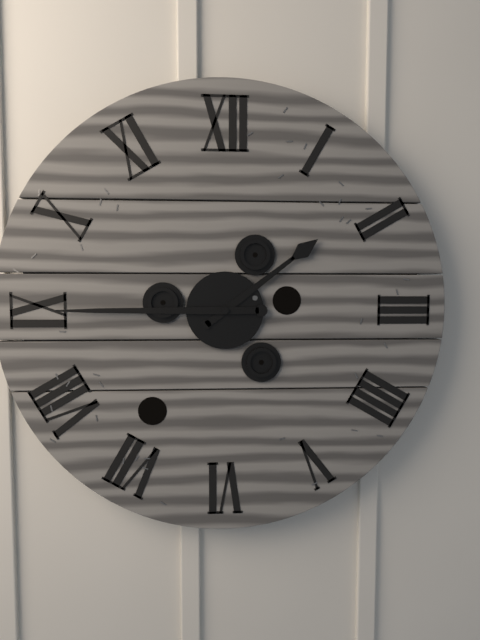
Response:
1h45
